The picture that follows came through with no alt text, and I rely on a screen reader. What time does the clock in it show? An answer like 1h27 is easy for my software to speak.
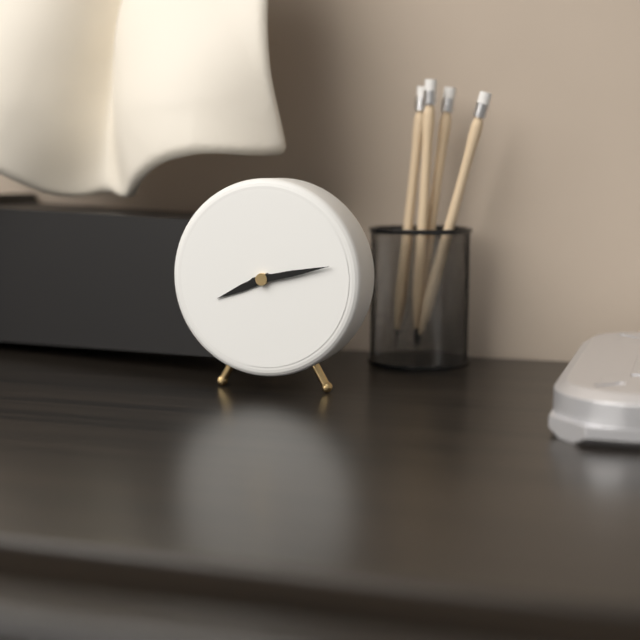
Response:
8h13
